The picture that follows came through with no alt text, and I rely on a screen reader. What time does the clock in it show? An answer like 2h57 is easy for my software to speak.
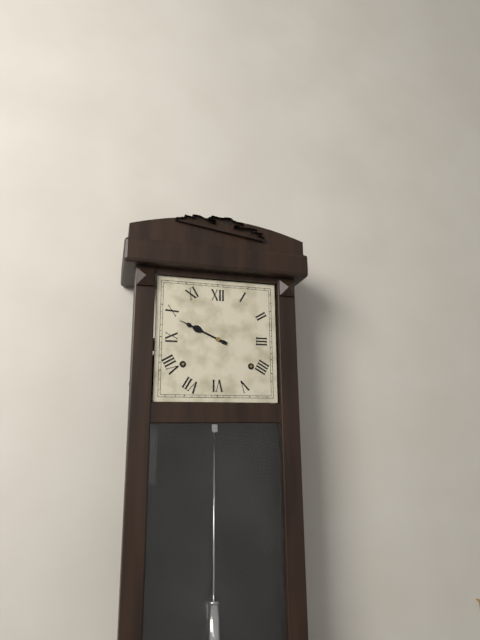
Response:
9h49
